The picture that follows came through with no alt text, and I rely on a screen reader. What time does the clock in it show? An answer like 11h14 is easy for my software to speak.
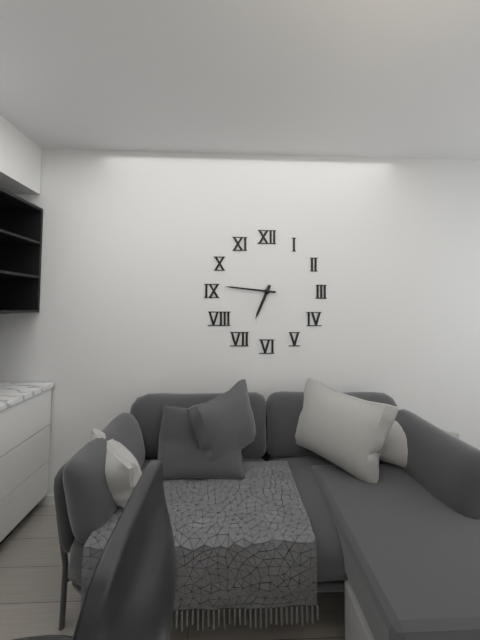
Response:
6h46
